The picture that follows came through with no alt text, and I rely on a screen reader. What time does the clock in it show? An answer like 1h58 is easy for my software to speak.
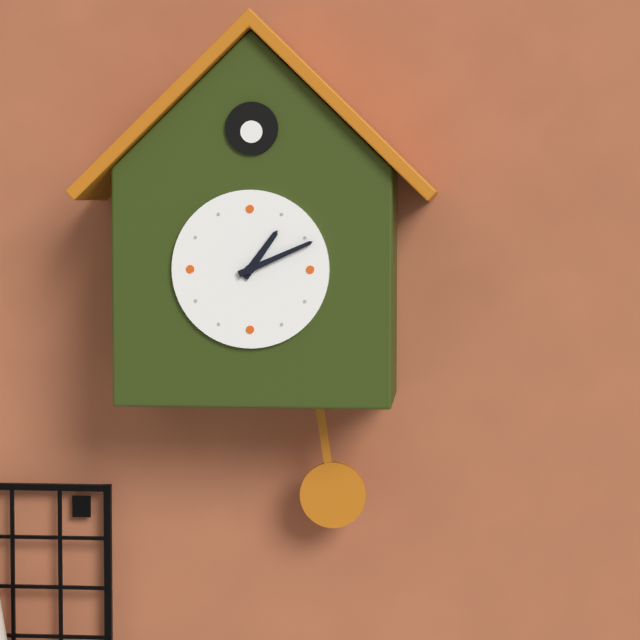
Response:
1h11
